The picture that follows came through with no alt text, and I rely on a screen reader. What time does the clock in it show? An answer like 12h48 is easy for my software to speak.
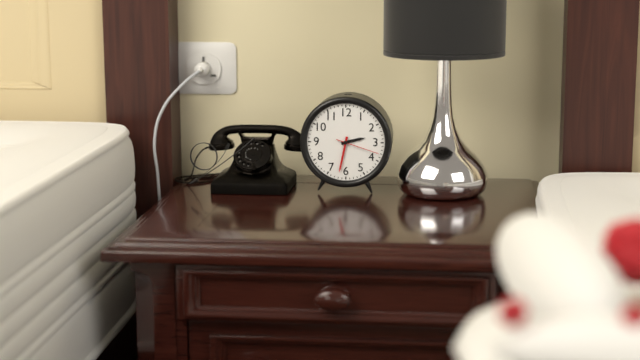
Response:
2h32
